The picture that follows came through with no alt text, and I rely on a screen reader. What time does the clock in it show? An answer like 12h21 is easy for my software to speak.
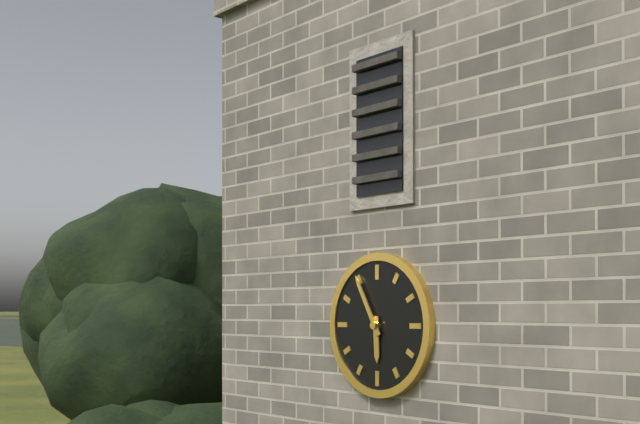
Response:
5h55
